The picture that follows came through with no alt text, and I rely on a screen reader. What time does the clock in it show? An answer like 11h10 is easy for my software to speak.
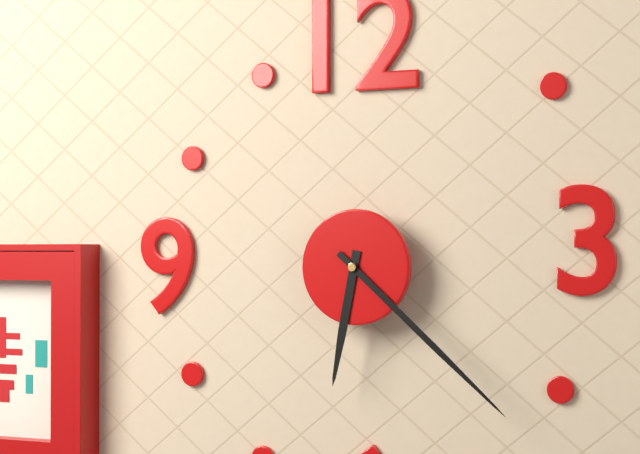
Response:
6h22
